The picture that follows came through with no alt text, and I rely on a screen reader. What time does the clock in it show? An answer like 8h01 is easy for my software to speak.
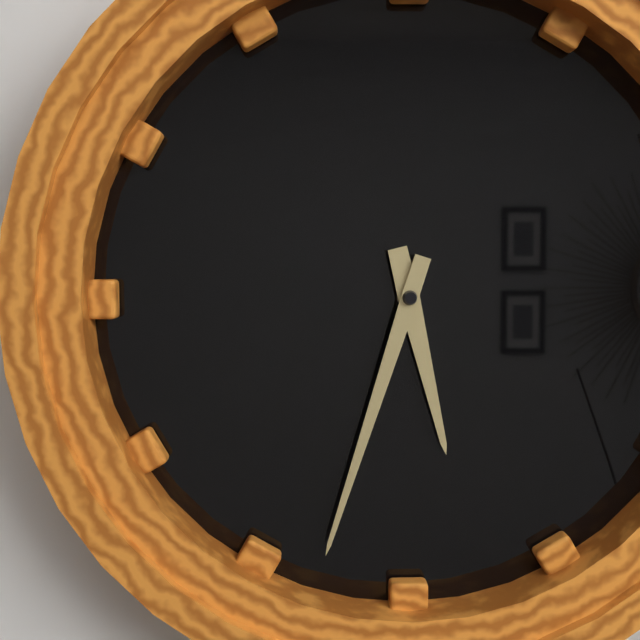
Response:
5h33
